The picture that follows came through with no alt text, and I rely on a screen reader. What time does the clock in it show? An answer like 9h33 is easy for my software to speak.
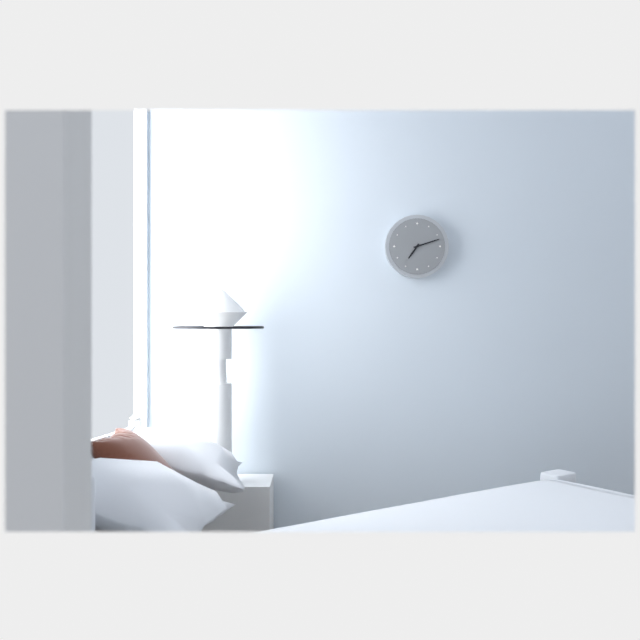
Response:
7h12
